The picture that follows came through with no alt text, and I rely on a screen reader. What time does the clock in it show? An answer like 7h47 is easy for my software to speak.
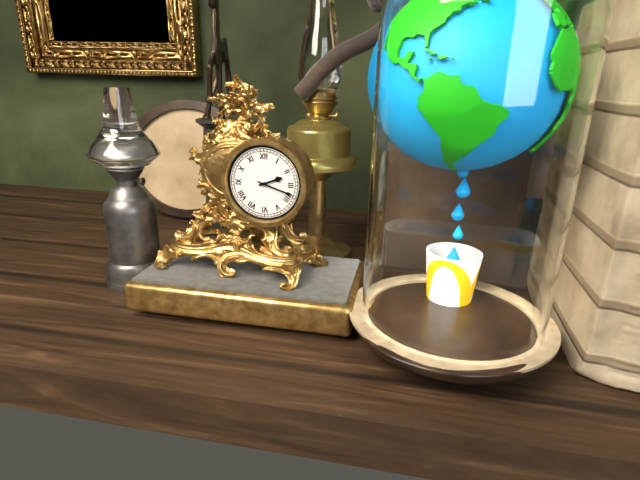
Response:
2h18
